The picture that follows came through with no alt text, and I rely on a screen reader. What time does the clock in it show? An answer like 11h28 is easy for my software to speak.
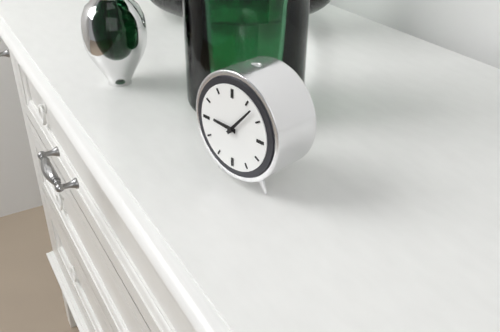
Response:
9h07
